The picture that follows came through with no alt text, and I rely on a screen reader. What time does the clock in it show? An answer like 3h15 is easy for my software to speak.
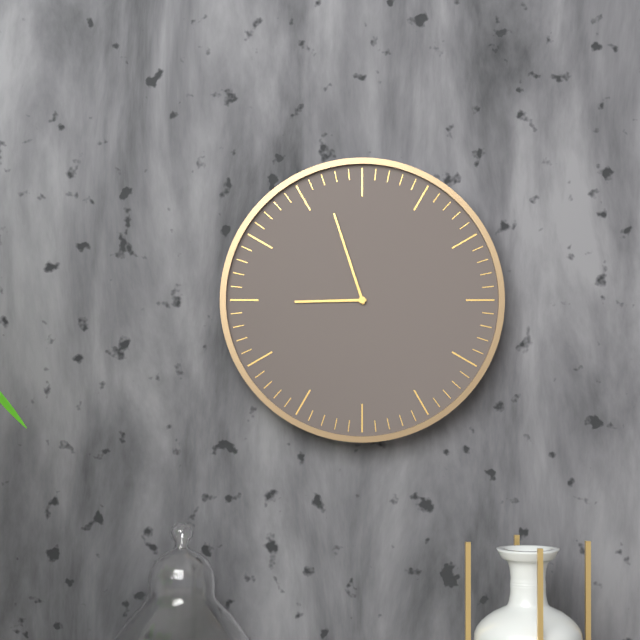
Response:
8h57
